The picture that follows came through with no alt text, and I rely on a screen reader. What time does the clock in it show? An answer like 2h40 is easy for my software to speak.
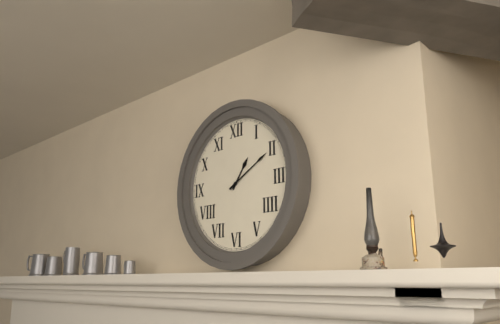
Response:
1h10
